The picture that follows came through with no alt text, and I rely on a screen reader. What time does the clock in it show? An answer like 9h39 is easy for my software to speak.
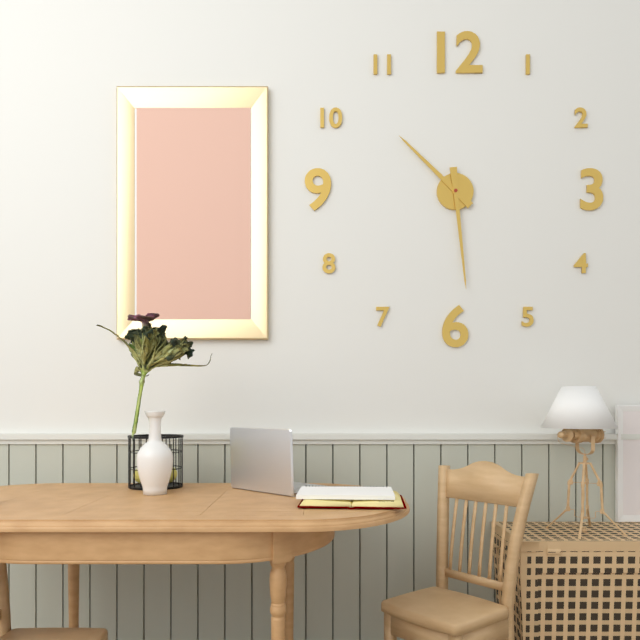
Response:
10h29
